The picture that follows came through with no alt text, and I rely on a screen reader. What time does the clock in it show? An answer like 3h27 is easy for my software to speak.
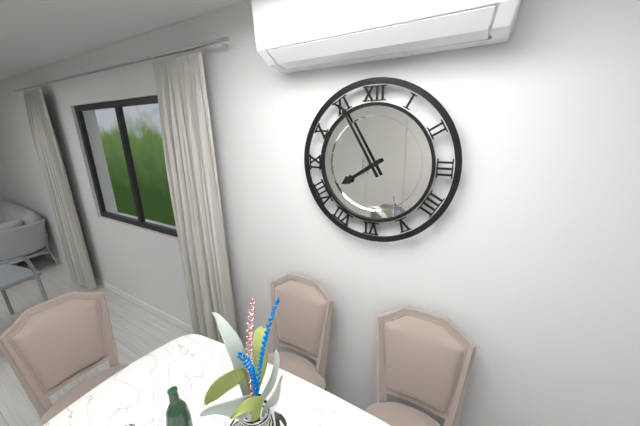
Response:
7h55
